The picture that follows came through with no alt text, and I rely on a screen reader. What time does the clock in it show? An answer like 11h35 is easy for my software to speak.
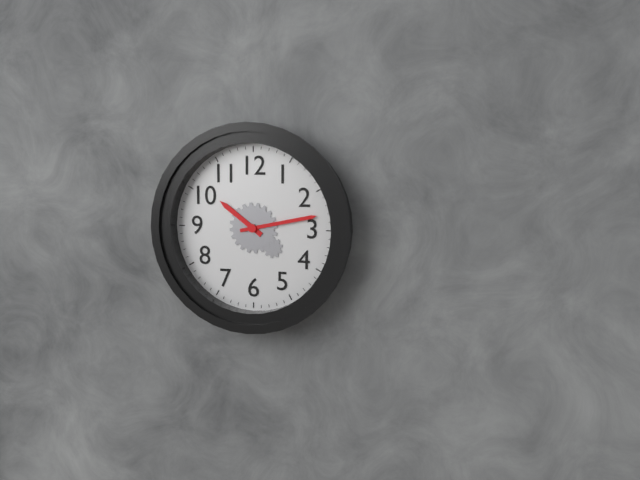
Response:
10h13
